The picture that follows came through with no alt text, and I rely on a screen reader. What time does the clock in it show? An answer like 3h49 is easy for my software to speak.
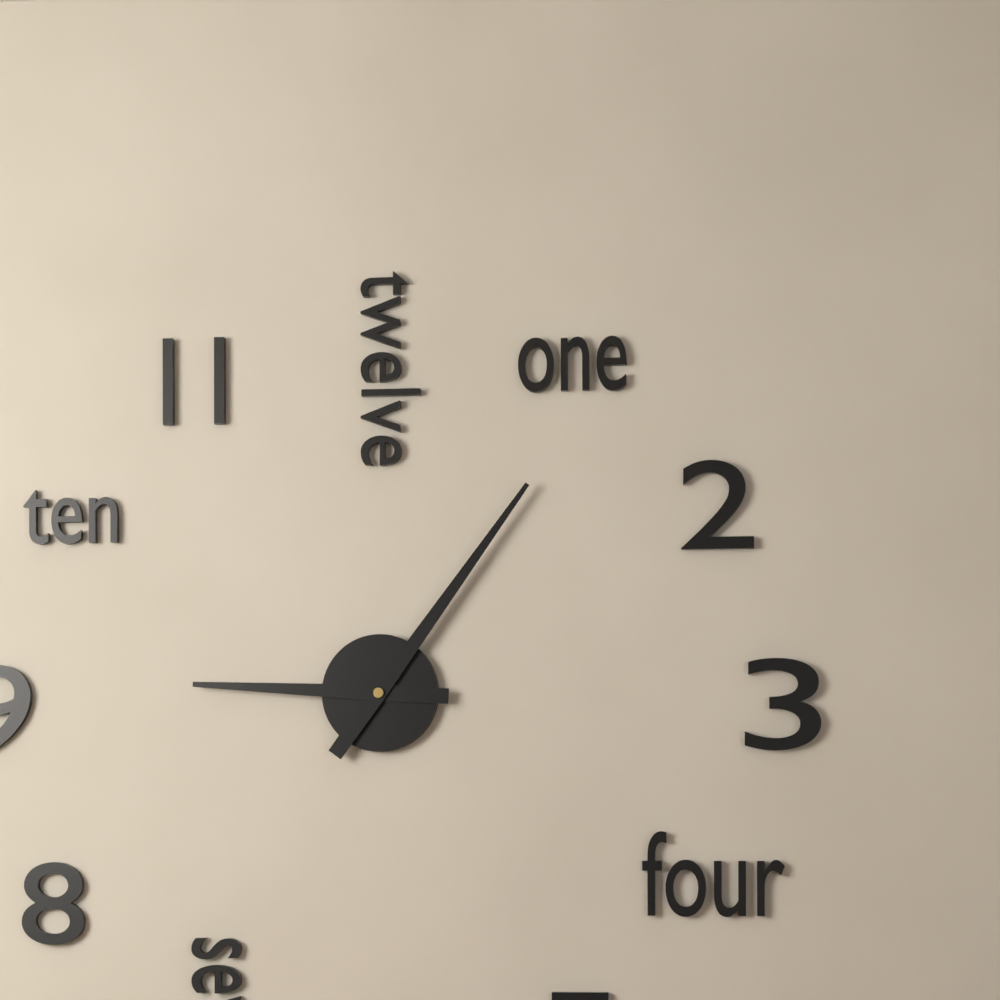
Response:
9h06
